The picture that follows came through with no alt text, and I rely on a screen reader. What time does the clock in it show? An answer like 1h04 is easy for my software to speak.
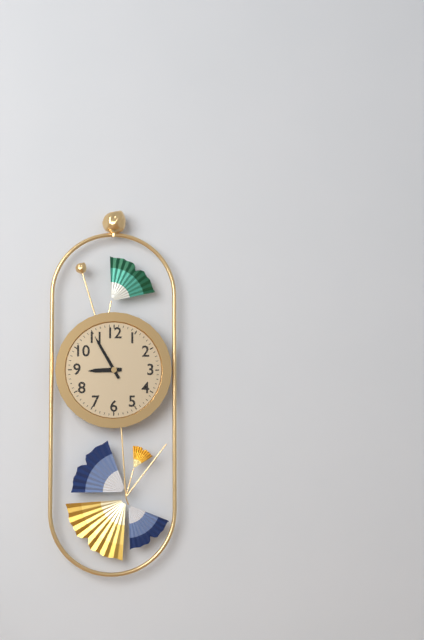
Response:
8h55
